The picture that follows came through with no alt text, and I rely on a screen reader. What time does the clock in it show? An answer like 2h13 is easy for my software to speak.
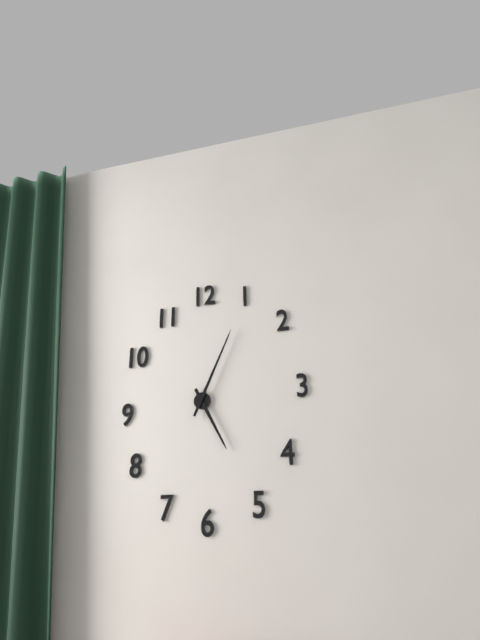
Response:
5h04
